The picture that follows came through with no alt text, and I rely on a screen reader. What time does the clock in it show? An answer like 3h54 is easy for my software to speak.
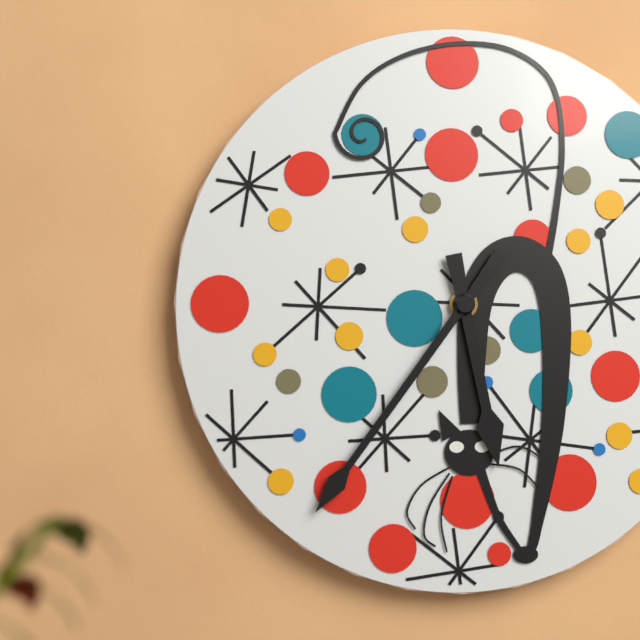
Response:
5h36
